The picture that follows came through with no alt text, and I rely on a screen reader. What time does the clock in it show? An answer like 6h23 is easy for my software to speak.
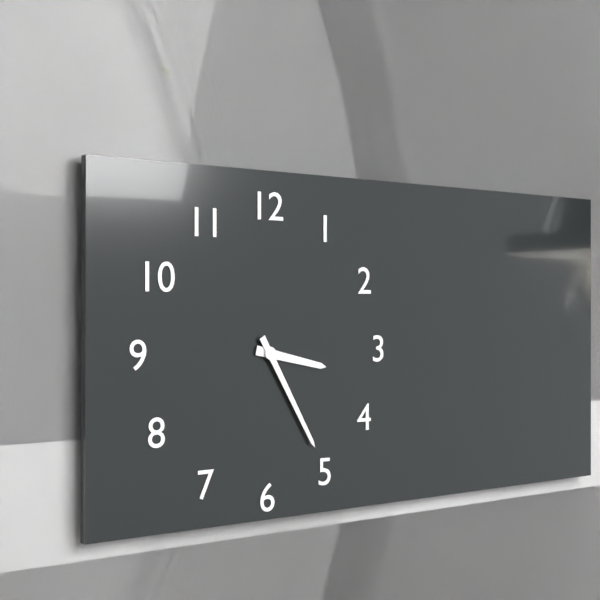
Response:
3h25
